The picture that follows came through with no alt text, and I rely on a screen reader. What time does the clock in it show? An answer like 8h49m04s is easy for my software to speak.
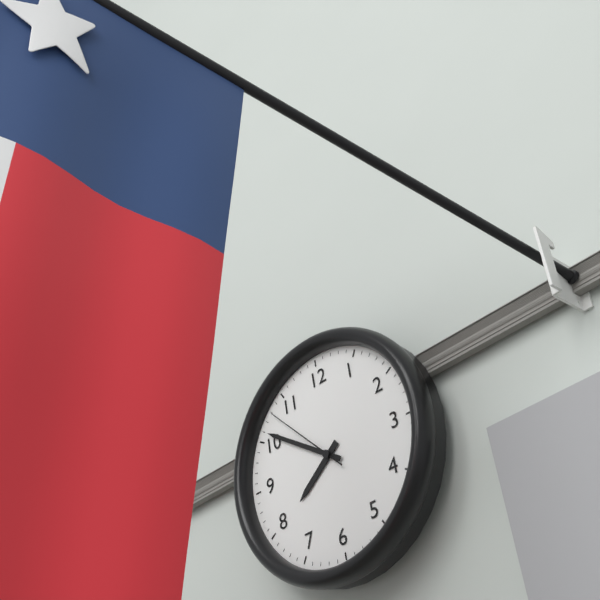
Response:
7h51m53s
